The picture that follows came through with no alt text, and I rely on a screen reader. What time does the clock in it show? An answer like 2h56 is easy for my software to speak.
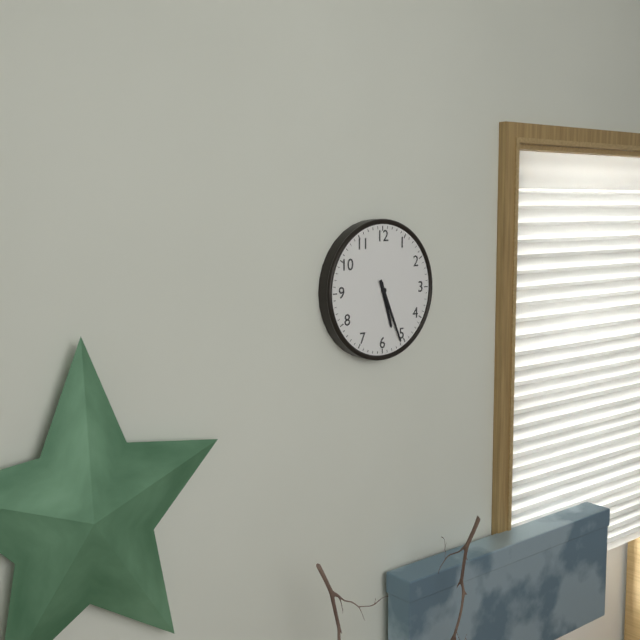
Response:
5h26
